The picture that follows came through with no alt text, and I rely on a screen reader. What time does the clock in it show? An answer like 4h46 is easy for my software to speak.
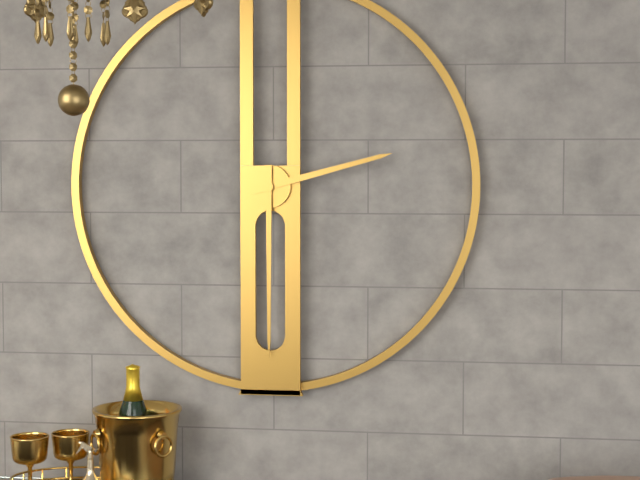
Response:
2h30
